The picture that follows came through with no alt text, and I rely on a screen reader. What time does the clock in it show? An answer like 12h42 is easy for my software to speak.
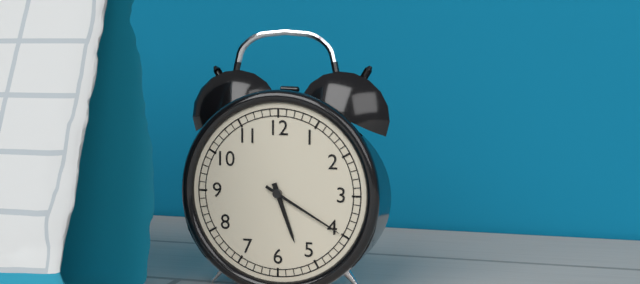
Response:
5h20
